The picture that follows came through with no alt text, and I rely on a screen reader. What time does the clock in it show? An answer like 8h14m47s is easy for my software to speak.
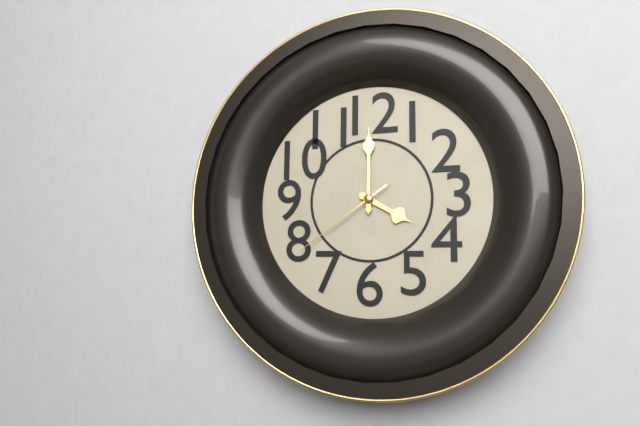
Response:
4h00m39s
